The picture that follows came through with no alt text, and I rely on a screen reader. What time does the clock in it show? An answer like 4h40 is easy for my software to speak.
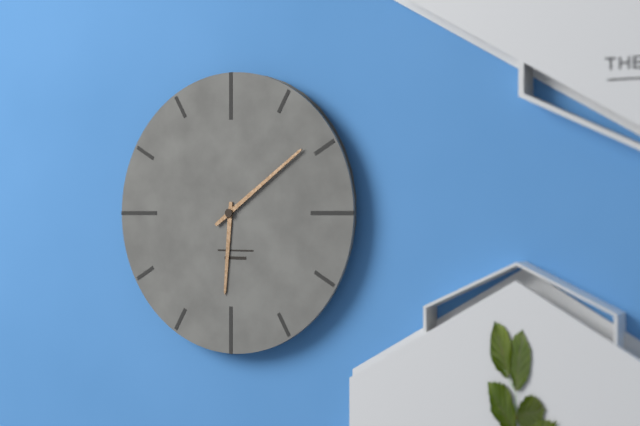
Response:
6h09
